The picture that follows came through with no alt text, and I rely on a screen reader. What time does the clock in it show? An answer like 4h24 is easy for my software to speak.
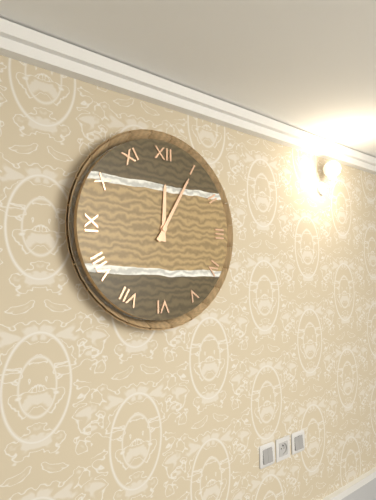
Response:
12h05
